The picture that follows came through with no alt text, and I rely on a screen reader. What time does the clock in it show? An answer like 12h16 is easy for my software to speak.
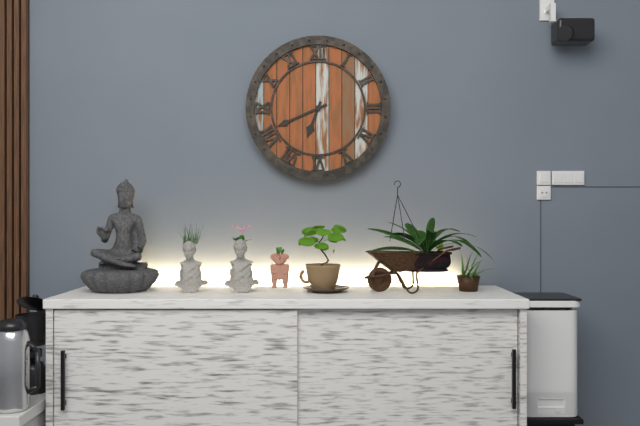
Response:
6h41
